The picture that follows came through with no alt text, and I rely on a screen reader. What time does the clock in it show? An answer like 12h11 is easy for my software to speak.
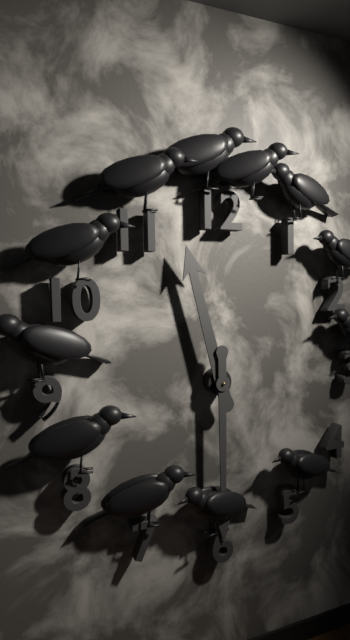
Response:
11h30
